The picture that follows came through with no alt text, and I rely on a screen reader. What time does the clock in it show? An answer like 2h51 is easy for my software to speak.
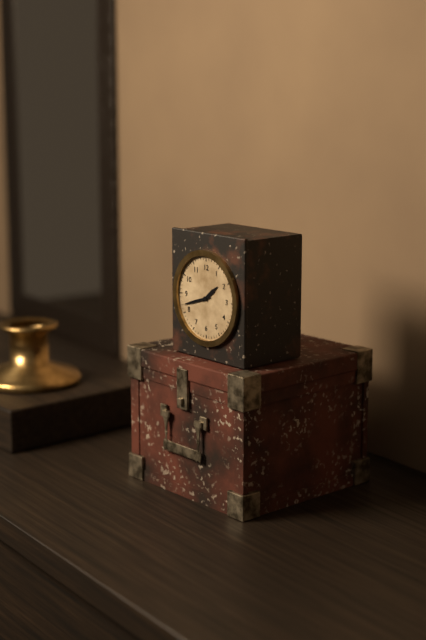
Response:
1h42
